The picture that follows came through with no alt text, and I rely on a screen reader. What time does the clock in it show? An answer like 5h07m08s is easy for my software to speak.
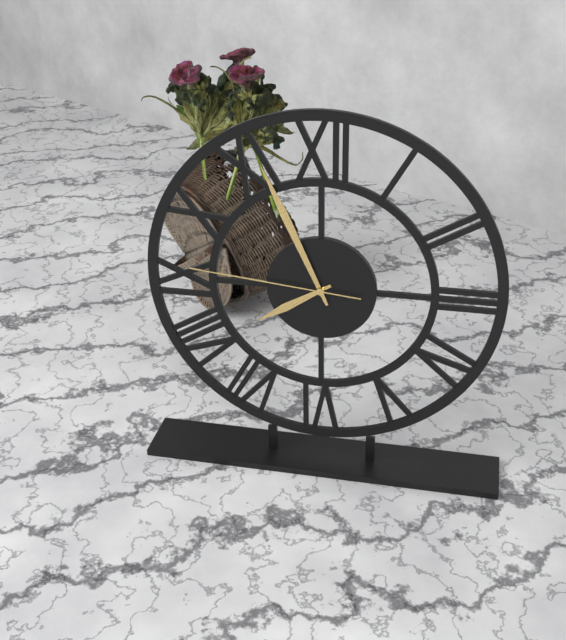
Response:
7h56m46s
